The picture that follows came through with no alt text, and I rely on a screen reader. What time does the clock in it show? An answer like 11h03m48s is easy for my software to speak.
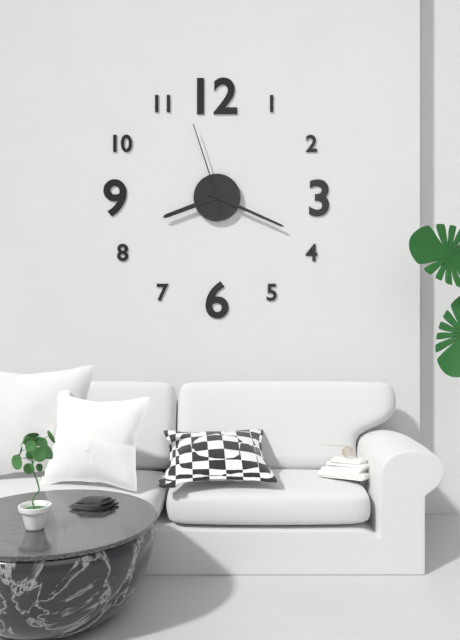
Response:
8h19m57s
